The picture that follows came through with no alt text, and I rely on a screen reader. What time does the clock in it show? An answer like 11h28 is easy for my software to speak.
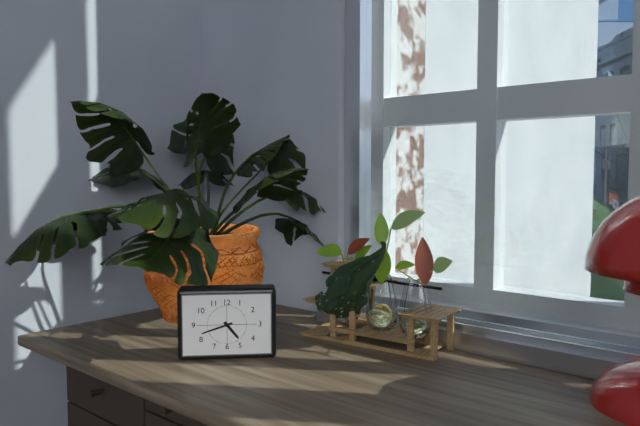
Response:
4h42
